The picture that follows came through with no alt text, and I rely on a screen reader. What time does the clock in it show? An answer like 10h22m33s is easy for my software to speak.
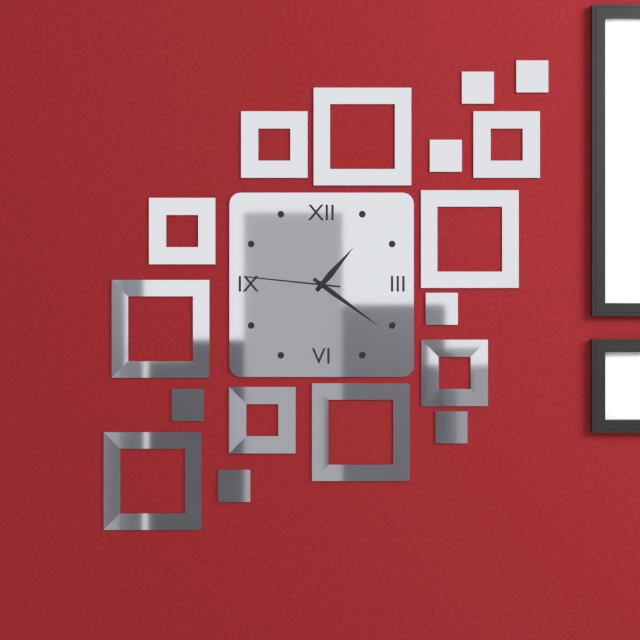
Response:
1h21m46s
